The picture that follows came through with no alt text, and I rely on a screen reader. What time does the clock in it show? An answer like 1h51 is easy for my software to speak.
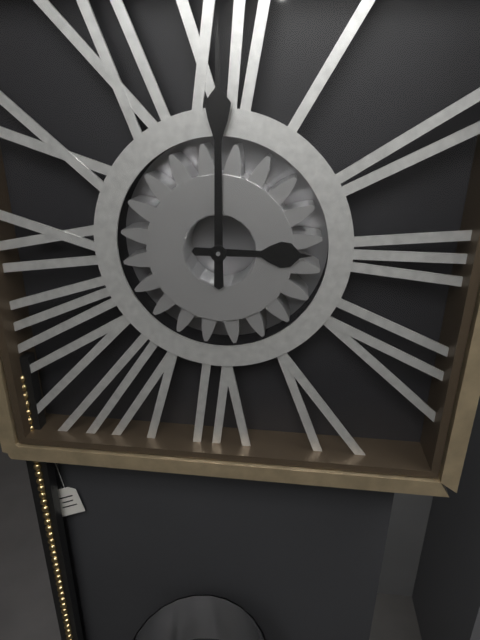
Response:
3h00
